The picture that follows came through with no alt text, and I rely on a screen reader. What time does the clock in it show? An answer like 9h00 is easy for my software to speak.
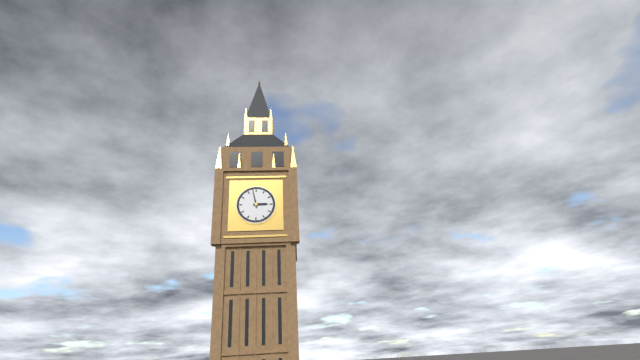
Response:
2h58
